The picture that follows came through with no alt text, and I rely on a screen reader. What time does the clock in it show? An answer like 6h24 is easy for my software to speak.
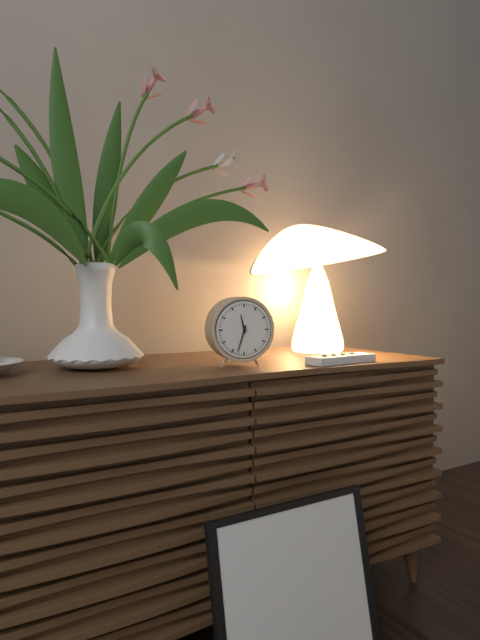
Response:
11h33
